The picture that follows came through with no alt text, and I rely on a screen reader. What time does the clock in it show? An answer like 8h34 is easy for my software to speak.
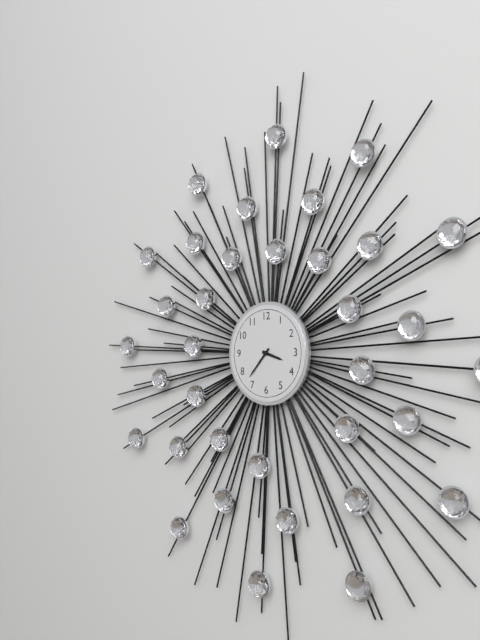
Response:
3h37
